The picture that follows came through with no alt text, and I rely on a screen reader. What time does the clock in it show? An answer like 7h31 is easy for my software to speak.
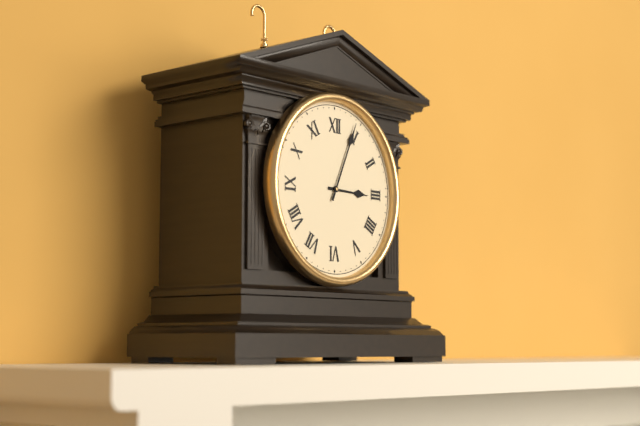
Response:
3h04
